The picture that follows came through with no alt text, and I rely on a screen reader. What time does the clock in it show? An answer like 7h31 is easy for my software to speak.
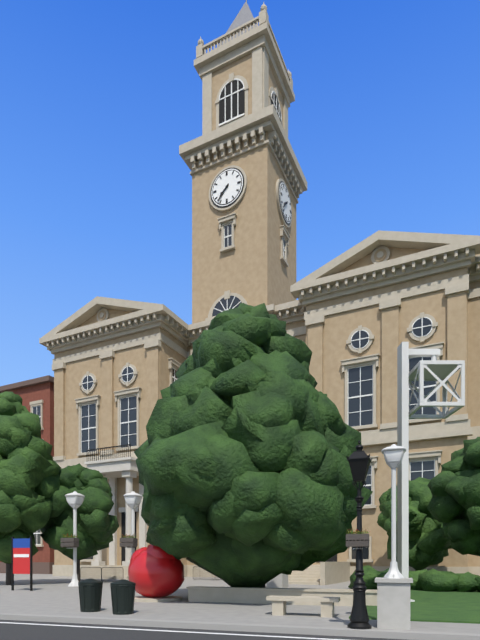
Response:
7h37
